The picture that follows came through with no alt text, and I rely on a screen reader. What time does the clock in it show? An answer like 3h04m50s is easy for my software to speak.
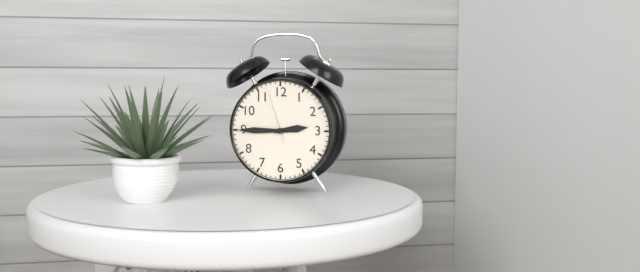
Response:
2h45m57s
